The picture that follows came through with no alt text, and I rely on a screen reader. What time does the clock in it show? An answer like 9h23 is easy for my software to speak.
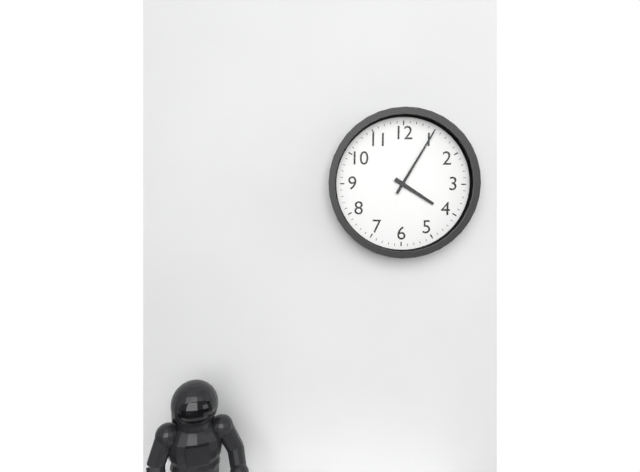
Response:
4h05
